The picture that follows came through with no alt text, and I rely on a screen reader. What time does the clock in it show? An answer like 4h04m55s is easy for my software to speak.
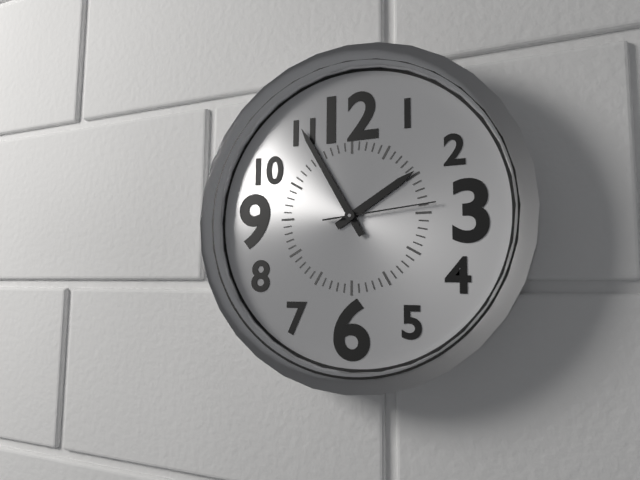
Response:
1h55m14s
